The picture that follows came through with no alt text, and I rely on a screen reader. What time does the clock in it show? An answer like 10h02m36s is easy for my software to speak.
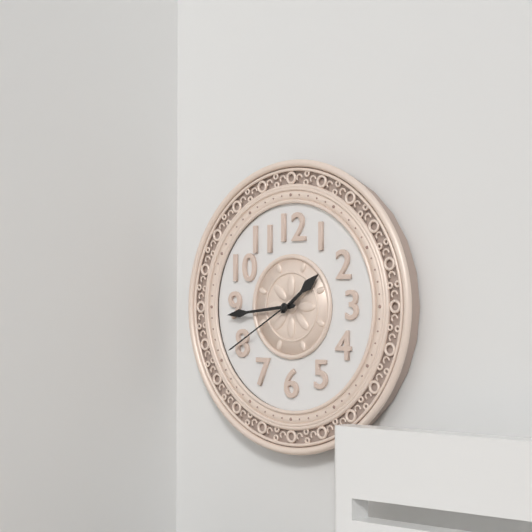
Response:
1h44m40s
